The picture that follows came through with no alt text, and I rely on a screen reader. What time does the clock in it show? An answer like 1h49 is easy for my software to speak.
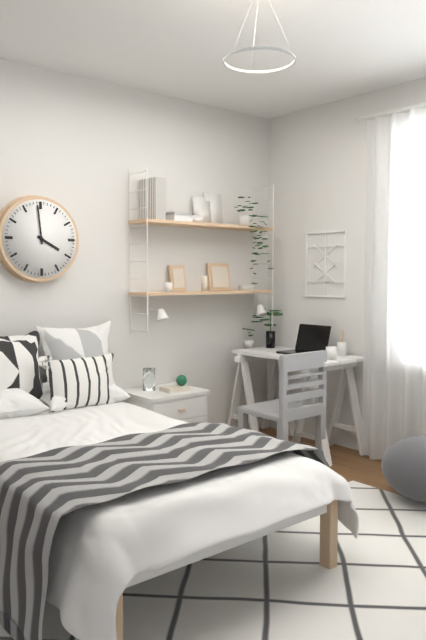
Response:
3h59
